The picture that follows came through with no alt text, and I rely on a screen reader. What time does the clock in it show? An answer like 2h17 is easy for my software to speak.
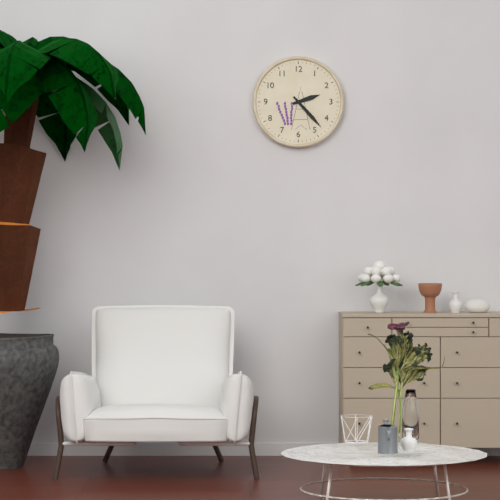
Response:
2h23
